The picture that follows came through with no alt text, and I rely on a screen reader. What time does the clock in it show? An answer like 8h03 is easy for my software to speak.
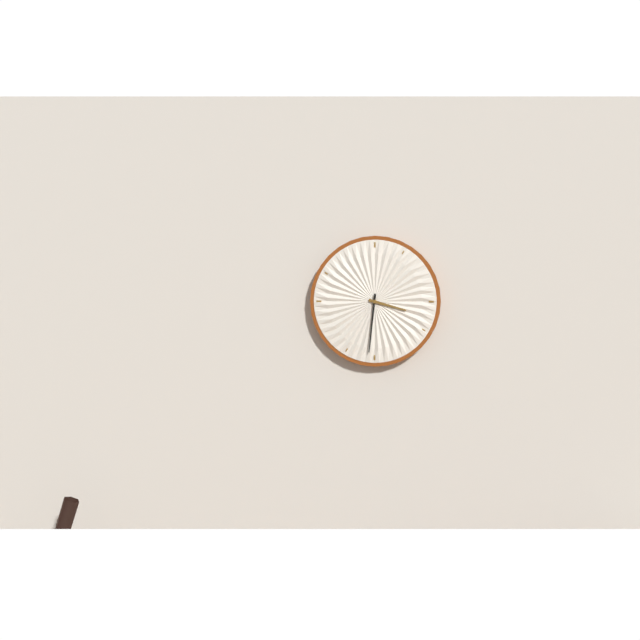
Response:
3h31
